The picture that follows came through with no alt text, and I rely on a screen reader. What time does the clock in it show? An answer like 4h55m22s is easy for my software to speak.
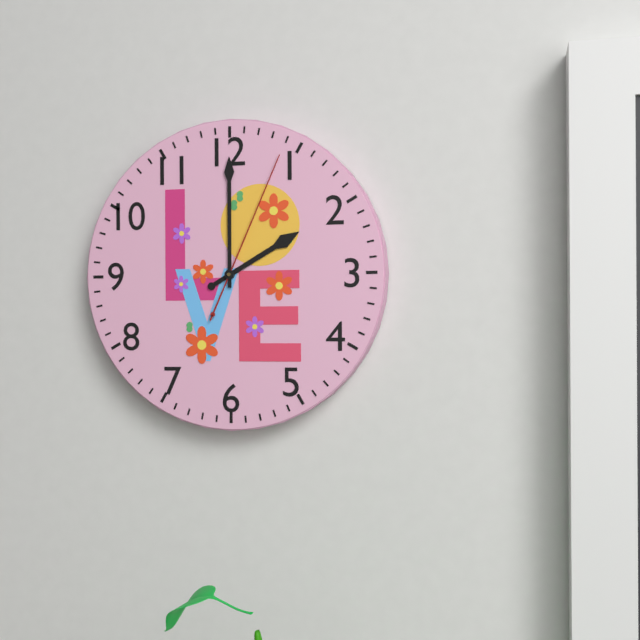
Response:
2h00m04s
